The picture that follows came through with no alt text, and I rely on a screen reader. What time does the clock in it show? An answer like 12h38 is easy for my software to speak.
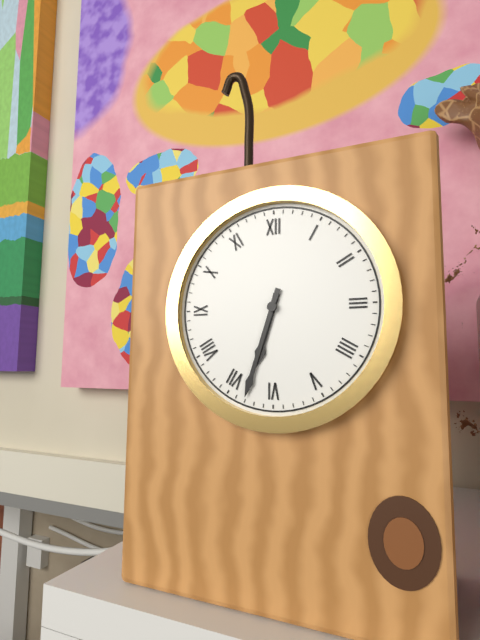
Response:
6h33
